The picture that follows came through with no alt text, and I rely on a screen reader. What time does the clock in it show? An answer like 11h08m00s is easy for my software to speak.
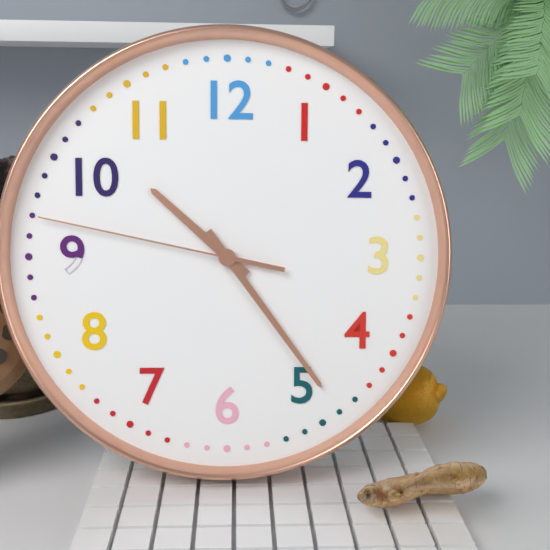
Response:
10h24m47s
